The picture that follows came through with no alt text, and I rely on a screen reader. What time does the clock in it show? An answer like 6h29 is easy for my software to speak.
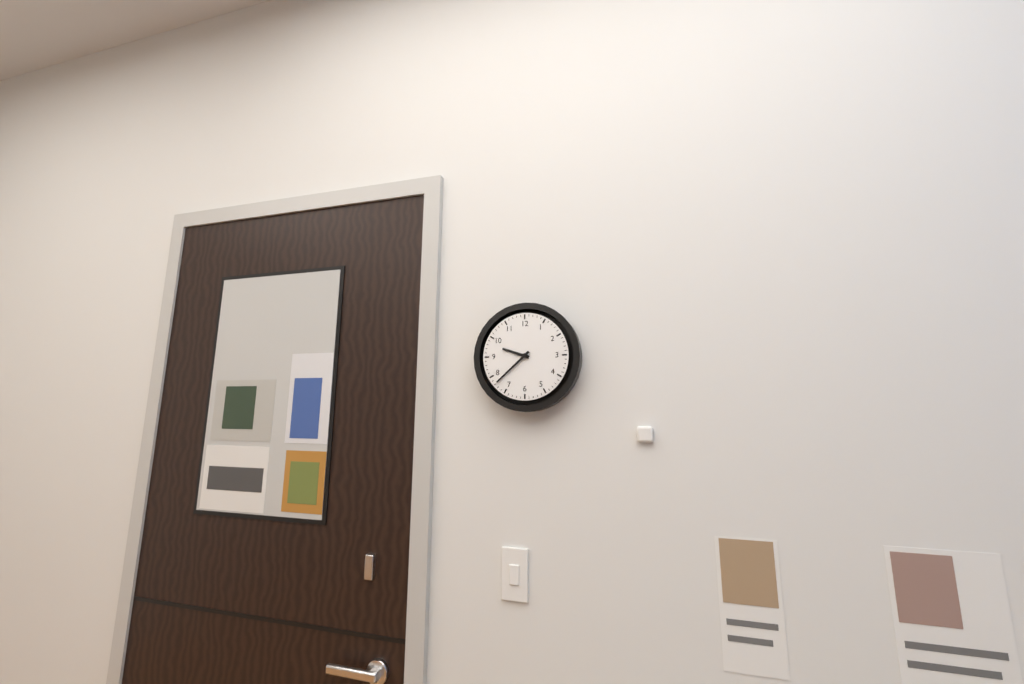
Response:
9h38
